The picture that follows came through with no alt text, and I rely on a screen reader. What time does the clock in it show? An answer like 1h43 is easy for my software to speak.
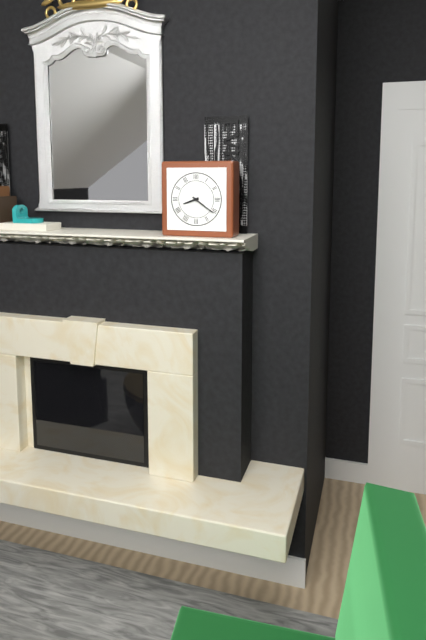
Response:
8h21
